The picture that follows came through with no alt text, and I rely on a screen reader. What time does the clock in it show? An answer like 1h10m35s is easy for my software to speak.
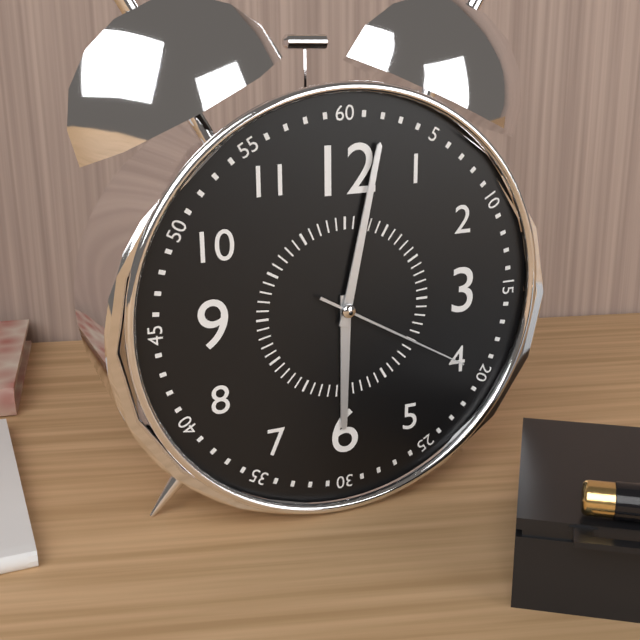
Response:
6h02m20s
